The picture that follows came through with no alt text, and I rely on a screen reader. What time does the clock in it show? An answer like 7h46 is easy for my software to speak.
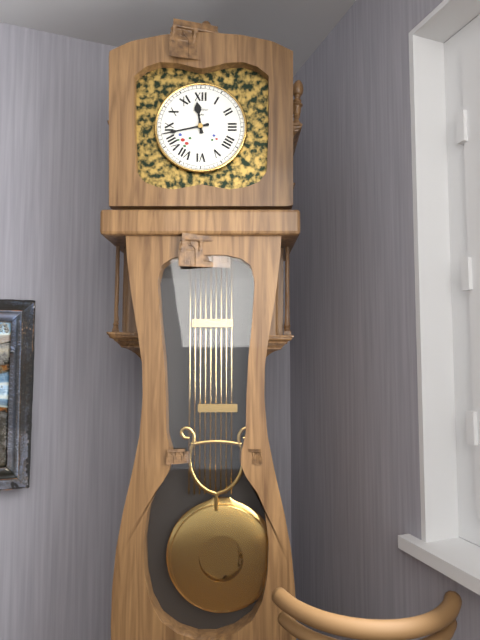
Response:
11h43
